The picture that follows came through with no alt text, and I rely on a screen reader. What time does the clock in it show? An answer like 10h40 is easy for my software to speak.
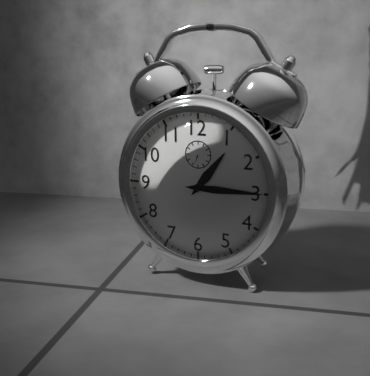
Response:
1h15
